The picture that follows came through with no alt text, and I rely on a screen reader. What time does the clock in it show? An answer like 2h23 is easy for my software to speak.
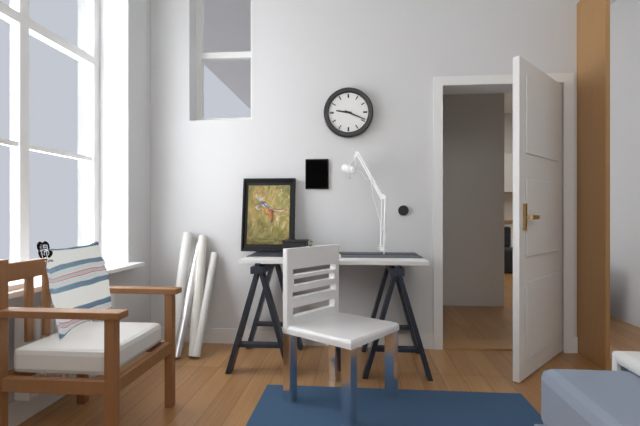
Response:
9h19
